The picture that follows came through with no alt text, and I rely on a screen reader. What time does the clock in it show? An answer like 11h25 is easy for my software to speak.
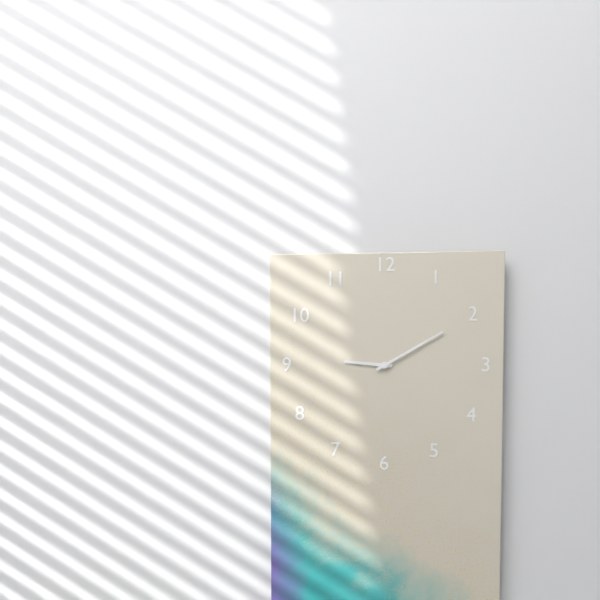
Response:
9h10
